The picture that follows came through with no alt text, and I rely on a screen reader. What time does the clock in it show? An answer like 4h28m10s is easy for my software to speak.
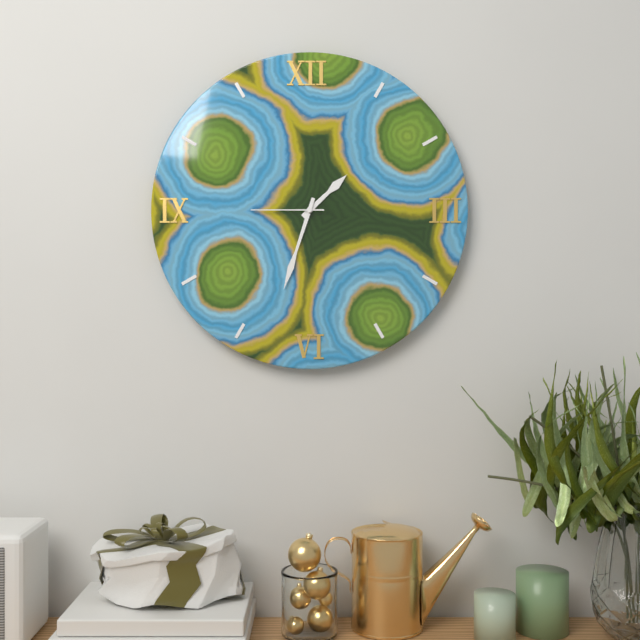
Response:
1h33m45s
